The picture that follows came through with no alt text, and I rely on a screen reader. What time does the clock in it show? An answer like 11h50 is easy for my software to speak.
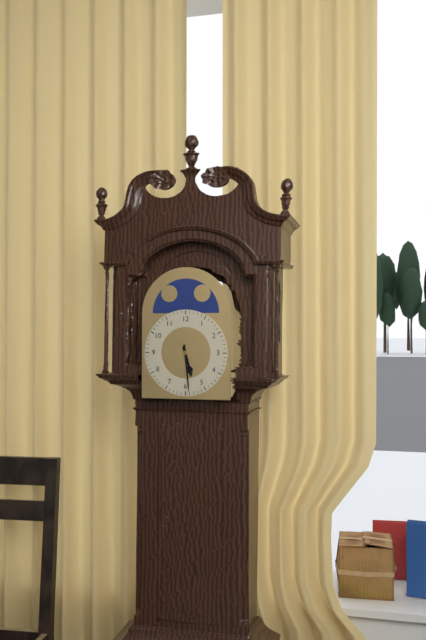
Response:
5h29
